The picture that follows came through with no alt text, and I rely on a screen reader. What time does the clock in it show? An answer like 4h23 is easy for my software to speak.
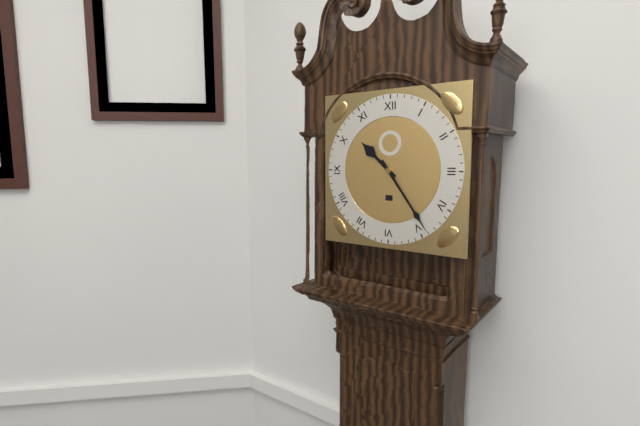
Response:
10h24
